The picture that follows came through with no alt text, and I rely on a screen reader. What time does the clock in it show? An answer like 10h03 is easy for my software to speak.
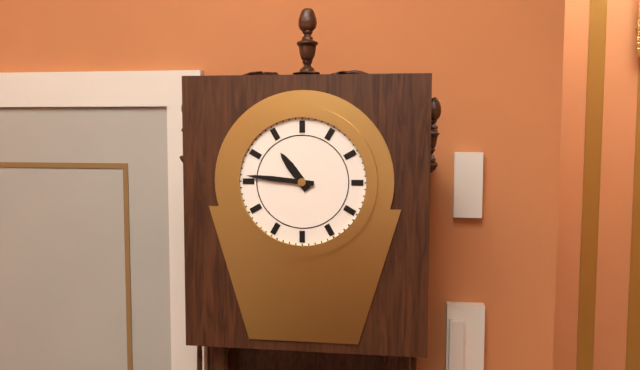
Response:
10h46
